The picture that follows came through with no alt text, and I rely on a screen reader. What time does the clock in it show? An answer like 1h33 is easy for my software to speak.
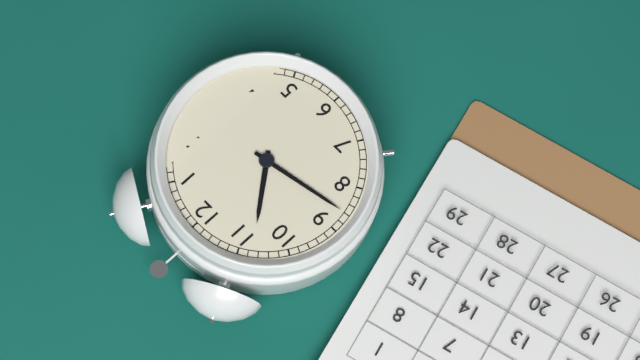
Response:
10h43
